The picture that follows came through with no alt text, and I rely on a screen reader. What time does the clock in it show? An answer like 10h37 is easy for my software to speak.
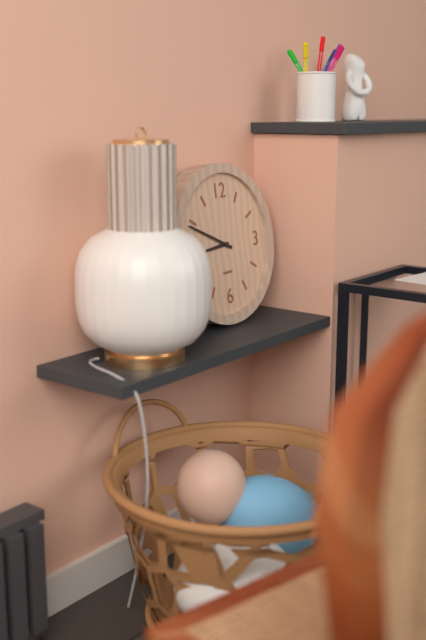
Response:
8h49
